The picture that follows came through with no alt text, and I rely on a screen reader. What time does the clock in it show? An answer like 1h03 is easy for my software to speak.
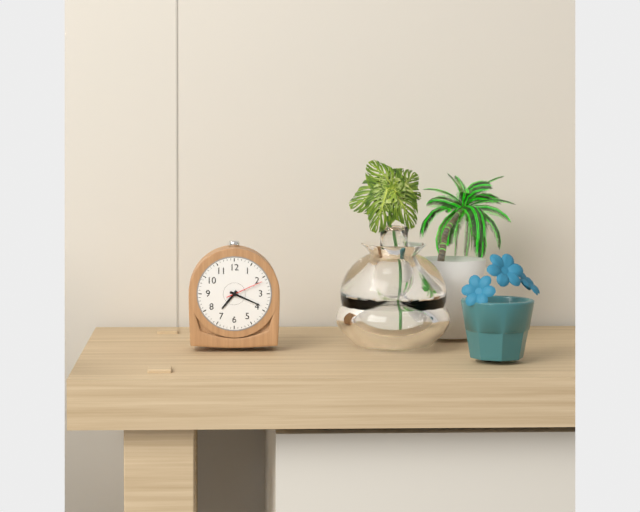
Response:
7h19
